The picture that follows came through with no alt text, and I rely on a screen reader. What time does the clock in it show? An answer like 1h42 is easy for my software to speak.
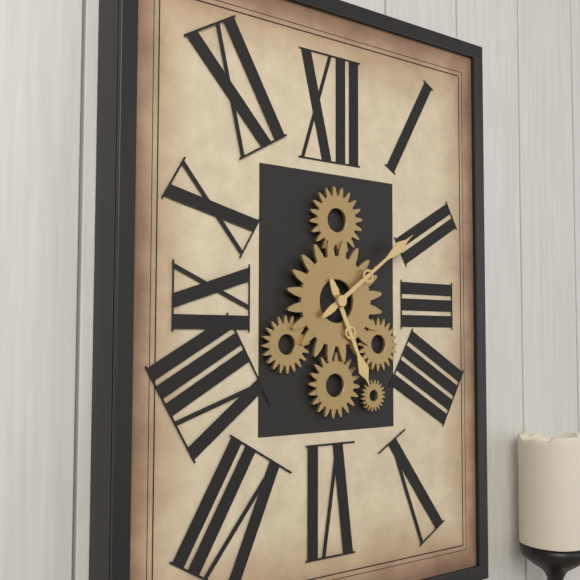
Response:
5h09
